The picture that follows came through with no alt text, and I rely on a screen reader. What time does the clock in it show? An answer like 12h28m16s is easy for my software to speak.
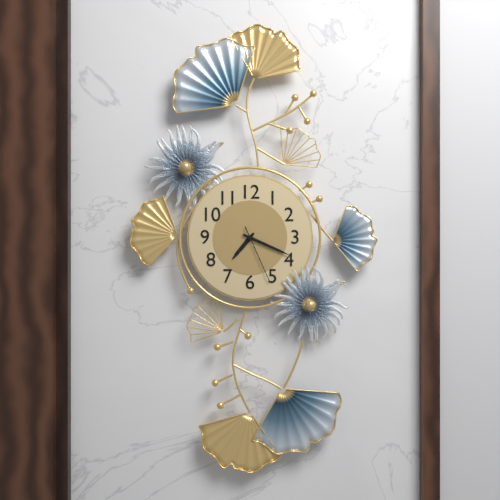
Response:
7h19m26s
